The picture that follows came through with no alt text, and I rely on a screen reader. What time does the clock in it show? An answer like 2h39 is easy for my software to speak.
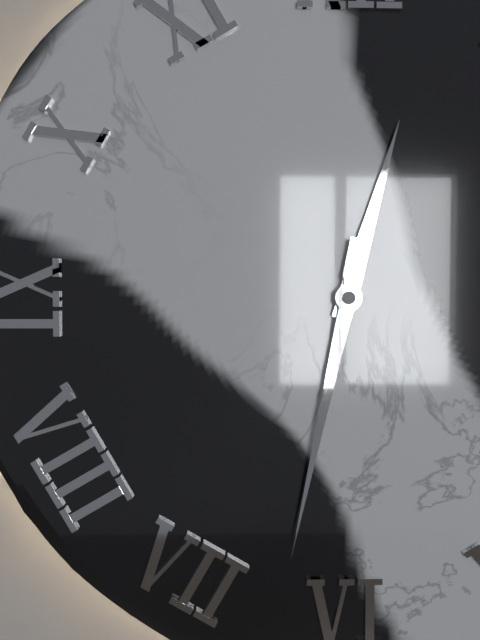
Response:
12h32
